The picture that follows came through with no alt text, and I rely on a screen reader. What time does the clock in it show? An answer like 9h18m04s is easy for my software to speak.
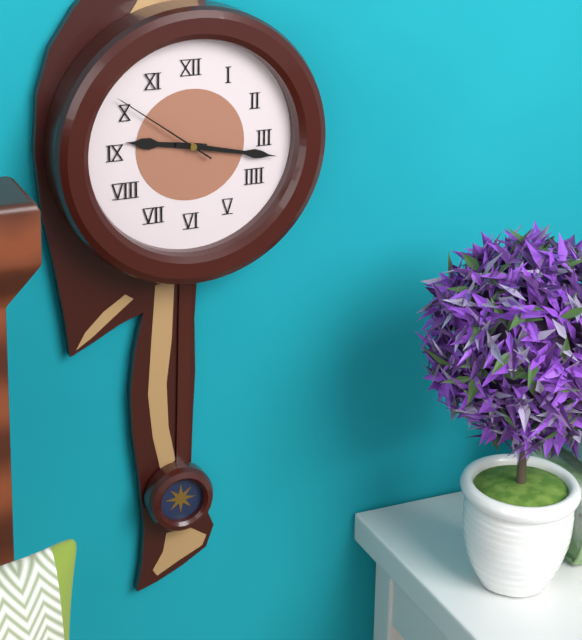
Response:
9h17m51s
